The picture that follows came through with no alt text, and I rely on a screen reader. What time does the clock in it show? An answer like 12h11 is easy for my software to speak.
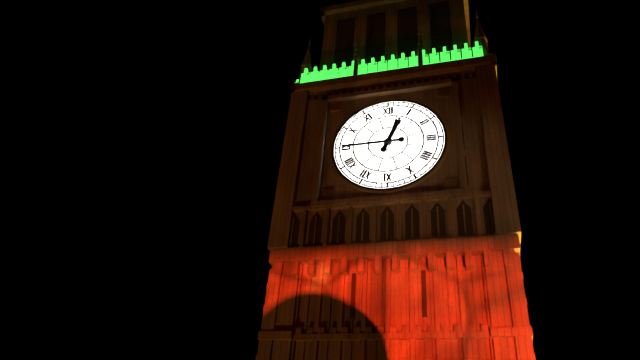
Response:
12h45
